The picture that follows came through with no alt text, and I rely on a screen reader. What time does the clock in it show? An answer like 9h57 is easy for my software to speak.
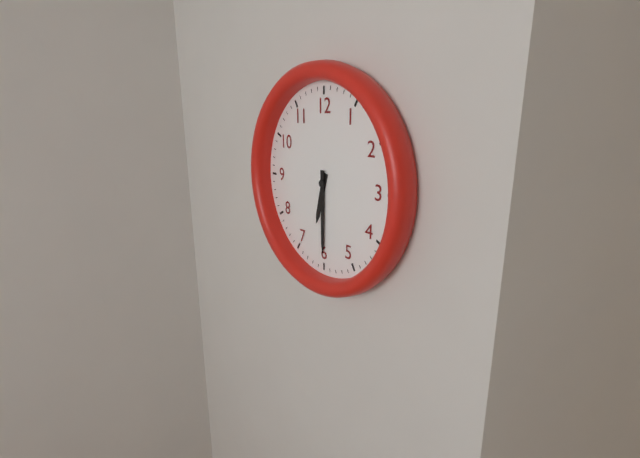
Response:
6h30
